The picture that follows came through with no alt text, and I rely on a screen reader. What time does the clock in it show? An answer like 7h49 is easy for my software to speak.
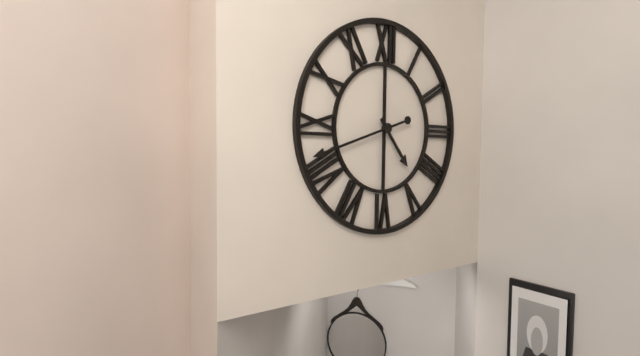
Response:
4h42
